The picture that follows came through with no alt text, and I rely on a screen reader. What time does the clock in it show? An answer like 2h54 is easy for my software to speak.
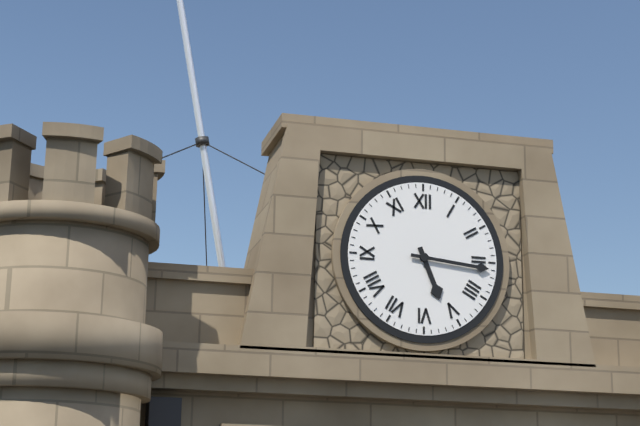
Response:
5h16
